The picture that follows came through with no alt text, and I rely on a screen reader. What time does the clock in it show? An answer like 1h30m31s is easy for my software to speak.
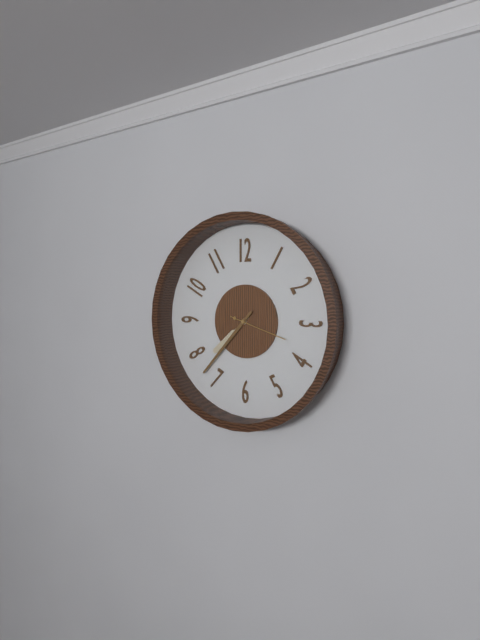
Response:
7h37m18s
